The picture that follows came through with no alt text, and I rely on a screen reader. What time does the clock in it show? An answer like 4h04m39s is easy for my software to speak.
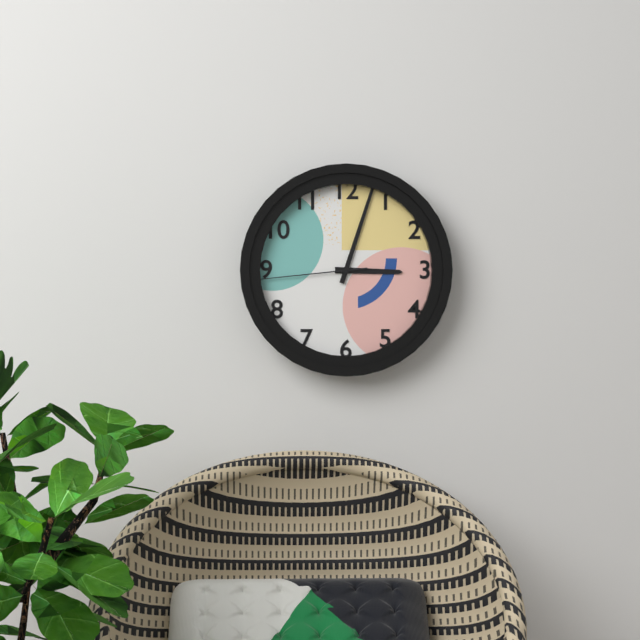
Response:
3h03m44s
